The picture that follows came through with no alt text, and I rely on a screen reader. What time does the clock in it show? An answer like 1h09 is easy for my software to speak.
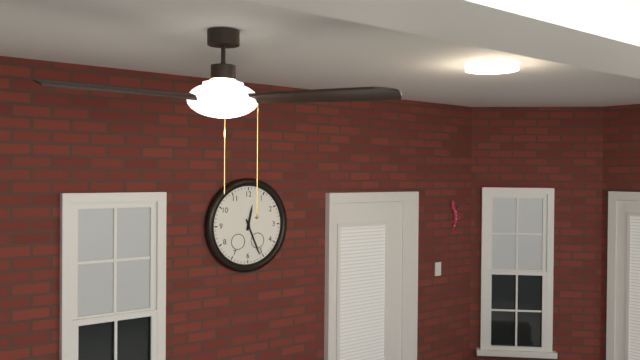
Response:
12h26
